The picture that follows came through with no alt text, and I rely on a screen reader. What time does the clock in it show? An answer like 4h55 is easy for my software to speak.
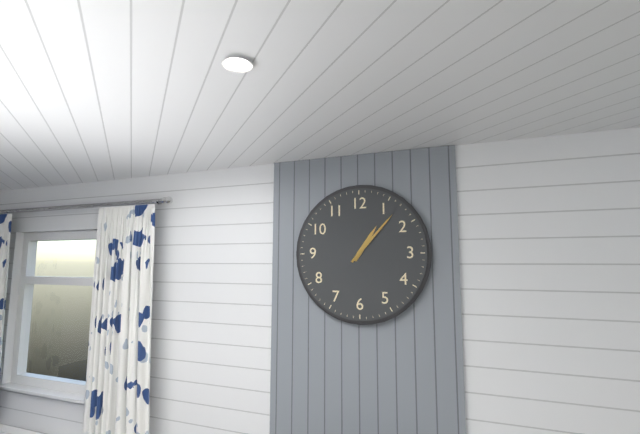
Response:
1h07
